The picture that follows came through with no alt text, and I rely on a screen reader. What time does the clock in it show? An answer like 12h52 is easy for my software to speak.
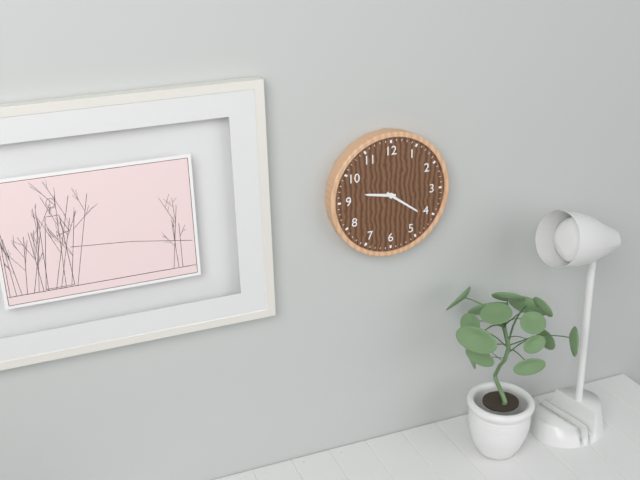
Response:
9h21
